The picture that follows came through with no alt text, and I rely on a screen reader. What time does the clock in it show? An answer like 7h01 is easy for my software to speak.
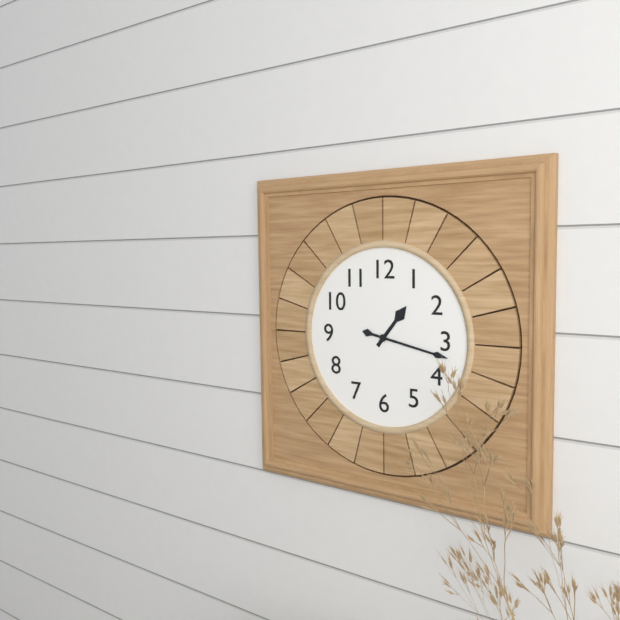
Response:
1h17
